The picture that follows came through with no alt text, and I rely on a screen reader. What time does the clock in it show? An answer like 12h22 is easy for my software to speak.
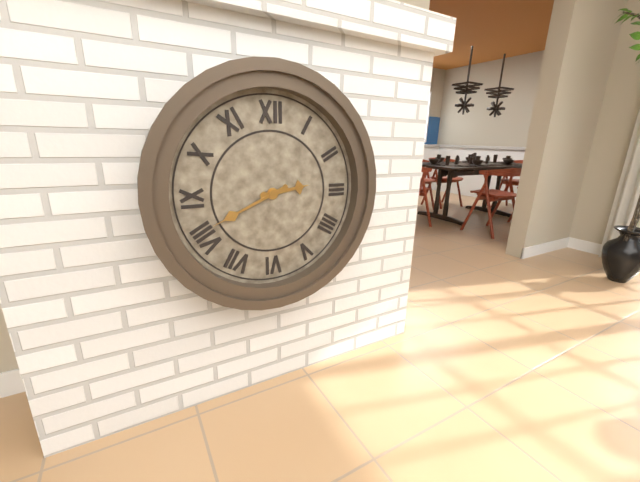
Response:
2h41
